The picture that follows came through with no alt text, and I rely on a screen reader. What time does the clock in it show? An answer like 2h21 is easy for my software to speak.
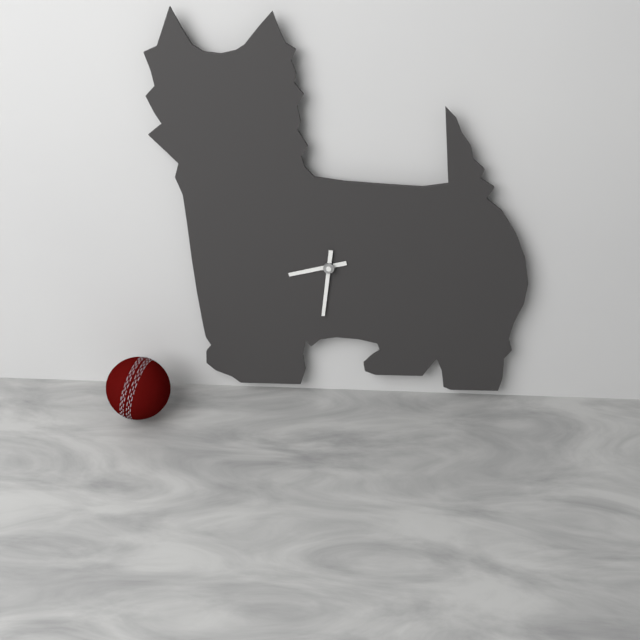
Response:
8h31
